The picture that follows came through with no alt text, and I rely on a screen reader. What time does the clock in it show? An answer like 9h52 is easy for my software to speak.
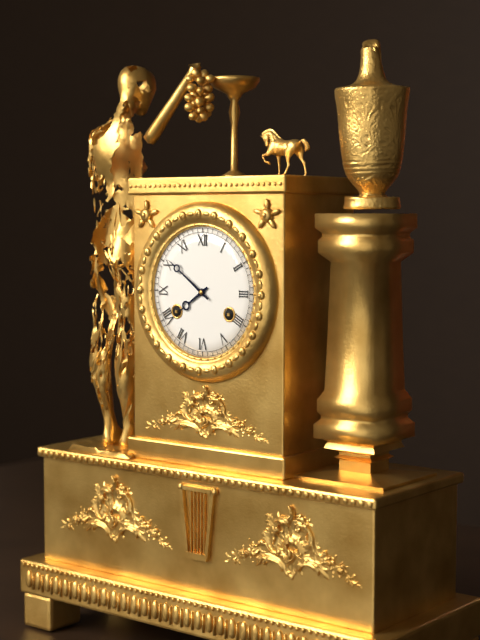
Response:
7h51
